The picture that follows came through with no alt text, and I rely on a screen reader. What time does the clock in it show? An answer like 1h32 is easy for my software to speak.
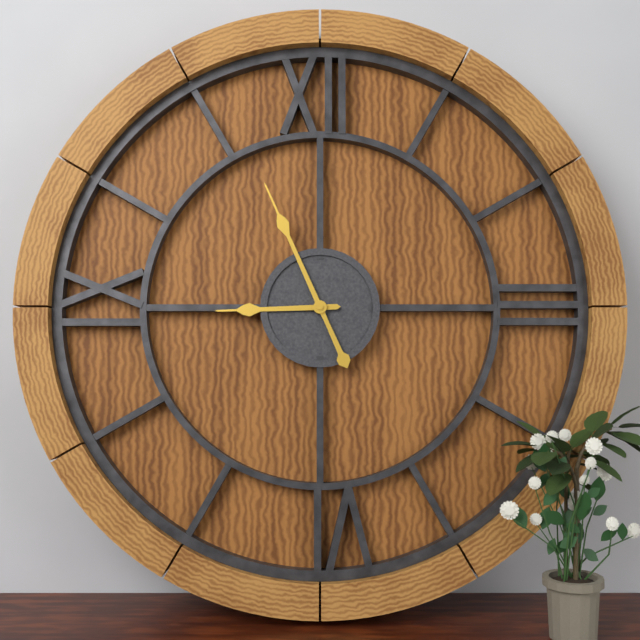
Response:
8h56
